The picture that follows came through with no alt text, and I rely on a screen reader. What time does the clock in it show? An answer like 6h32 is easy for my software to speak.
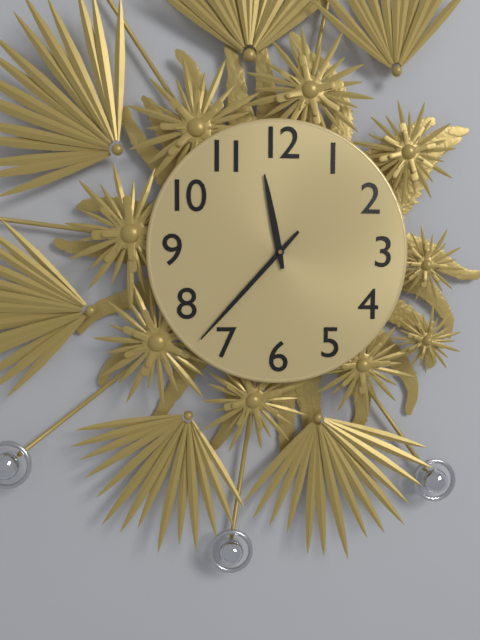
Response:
11h37
